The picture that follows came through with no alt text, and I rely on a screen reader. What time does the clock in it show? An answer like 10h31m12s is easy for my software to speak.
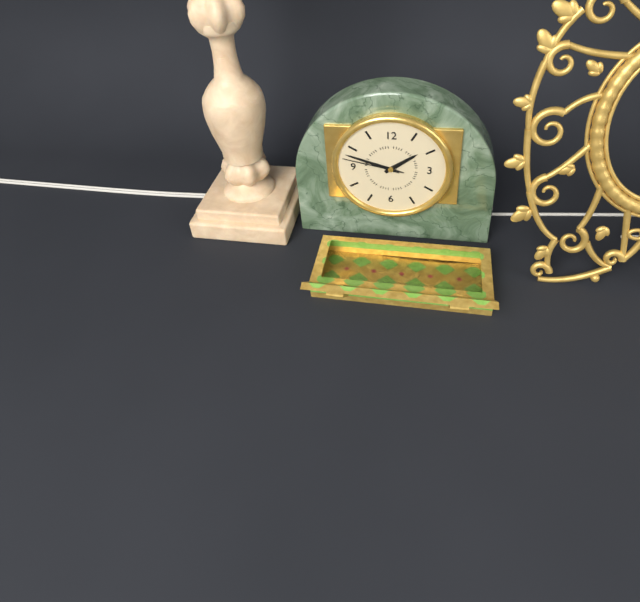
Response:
1h48m47s
